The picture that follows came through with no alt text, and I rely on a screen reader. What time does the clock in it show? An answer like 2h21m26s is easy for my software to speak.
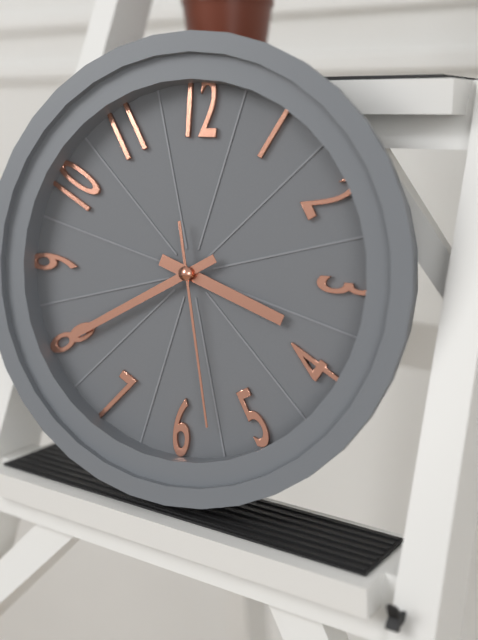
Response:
3h40m28s
